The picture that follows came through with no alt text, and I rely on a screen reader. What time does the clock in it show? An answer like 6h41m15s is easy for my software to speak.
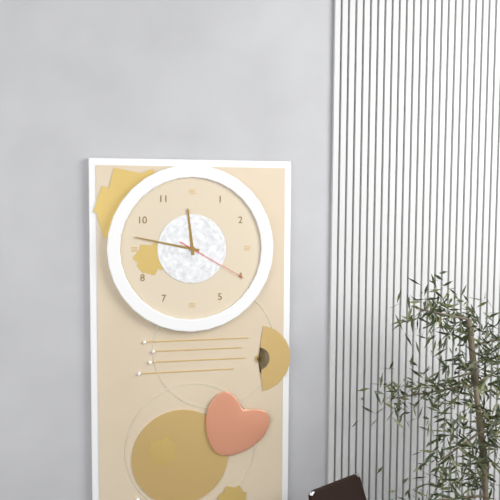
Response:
11h47m20s
